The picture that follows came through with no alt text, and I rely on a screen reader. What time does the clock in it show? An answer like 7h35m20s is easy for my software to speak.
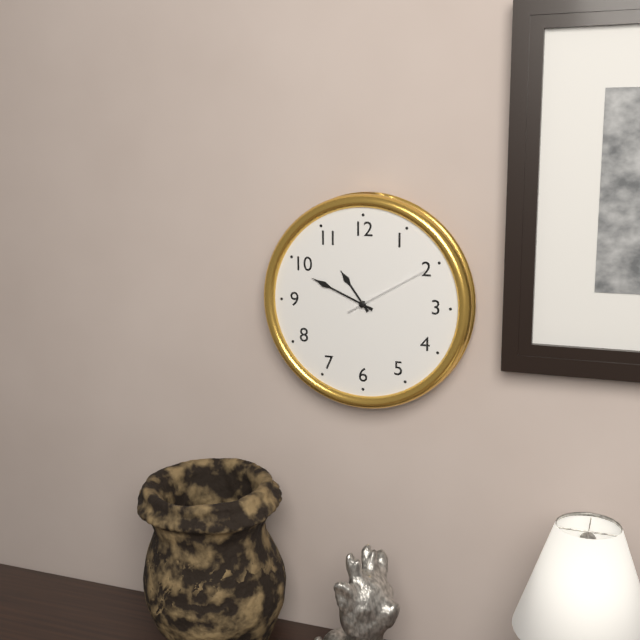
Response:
10h49m10s
